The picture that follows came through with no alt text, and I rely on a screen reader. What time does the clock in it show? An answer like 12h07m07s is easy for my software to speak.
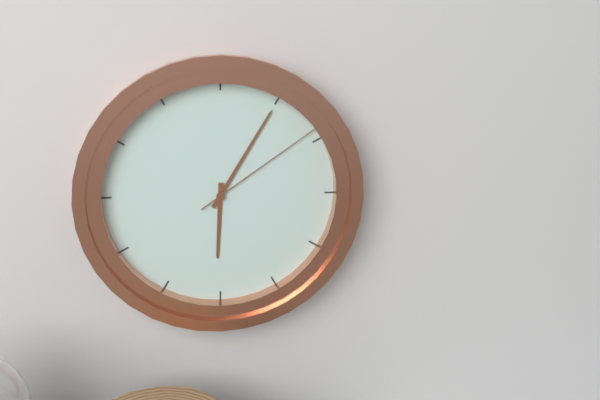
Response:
6h05m09s
